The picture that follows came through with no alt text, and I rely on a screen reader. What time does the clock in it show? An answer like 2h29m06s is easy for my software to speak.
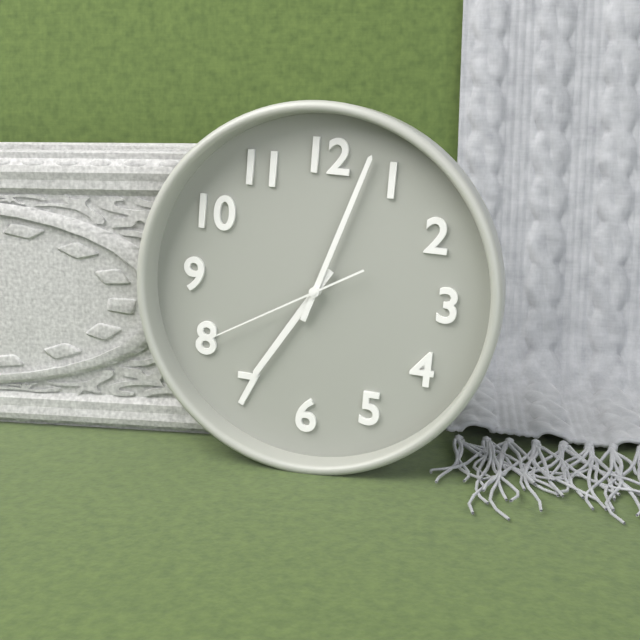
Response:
7h03m40s
